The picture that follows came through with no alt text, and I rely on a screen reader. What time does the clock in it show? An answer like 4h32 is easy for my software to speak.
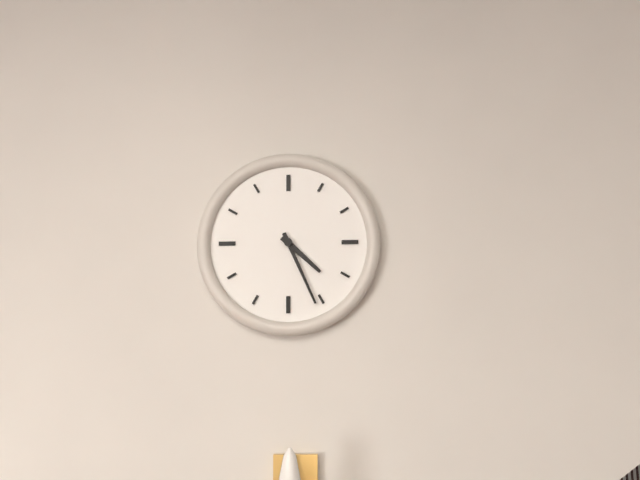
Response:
4h26
